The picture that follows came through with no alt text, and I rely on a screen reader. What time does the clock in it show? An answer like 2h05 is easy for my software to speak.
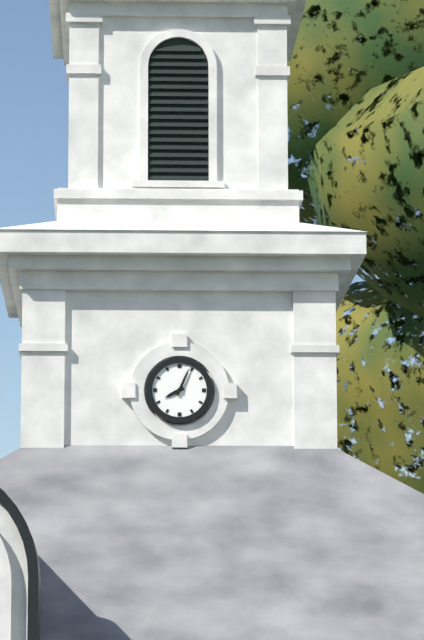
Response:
8h04
